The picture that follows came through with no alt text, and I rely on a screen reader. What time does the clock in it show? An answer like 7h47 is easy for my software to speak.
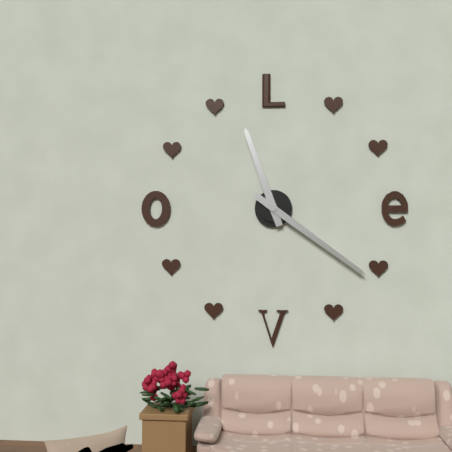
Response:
11h21
